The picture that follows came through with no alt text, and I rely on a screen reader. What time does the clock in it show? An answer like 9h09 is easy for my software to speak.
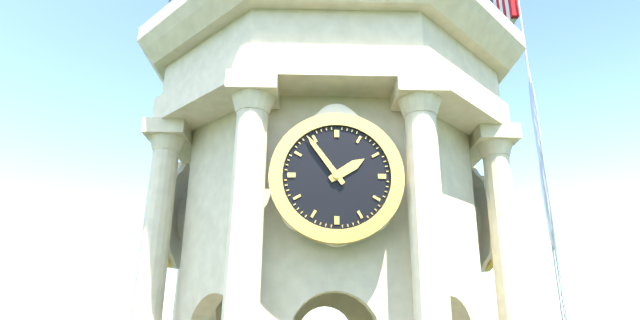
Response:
1h54
